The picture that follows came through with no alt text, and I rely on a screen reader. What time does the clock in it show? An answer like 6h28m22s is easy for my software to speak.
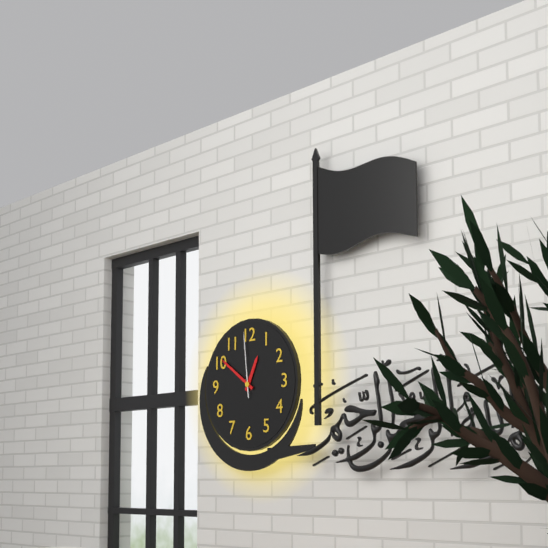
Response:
12h51m59s
